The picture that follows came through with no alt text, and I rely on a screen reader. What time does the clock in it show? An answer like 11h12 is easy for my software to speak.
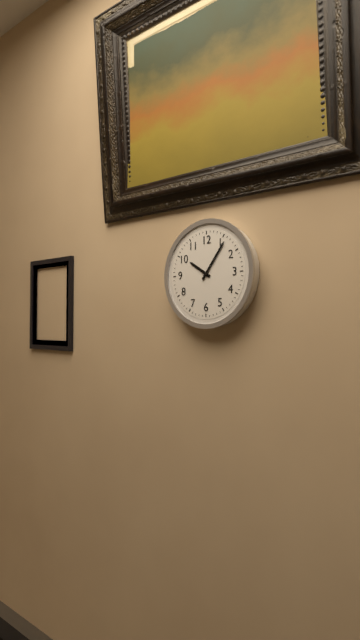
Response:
10h06
